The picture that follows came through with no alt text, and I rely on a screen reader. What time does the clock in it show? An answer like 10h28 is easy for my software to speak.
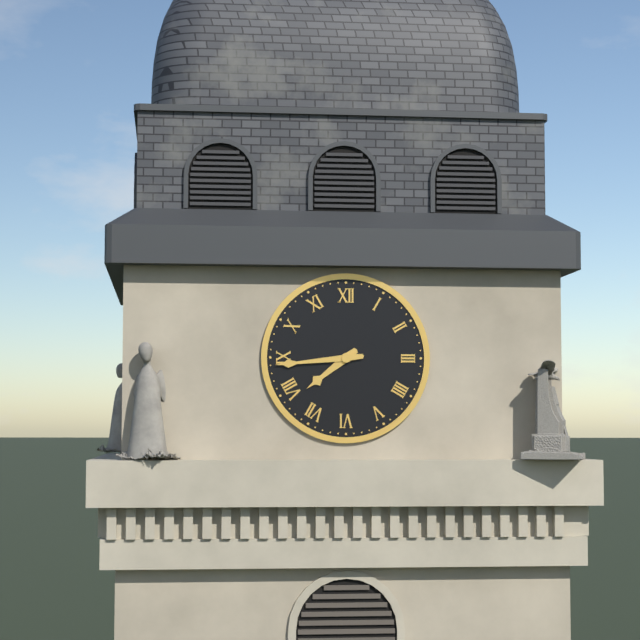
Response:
7h44
